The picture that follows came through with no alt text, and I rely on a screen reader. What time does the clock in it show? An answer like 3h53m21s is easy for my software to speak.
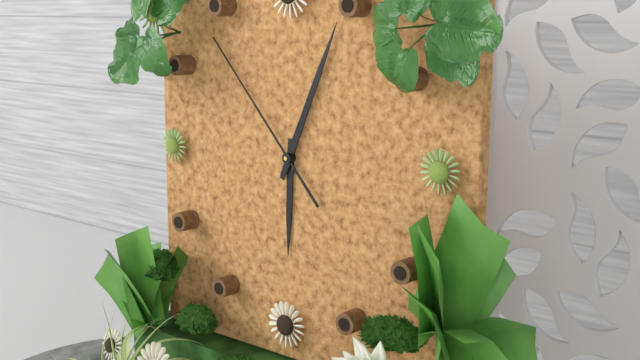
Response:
6h04m53s
